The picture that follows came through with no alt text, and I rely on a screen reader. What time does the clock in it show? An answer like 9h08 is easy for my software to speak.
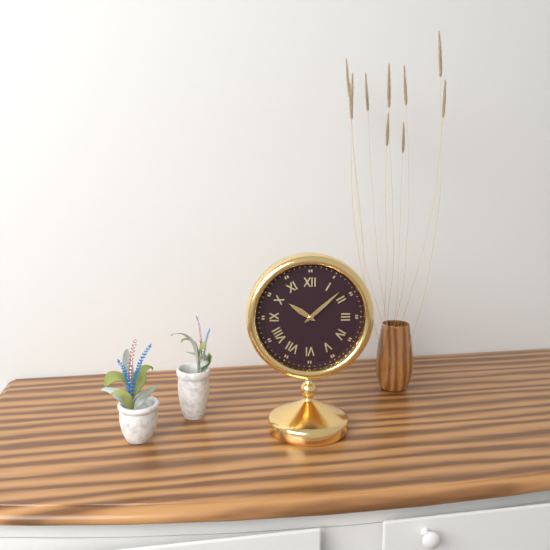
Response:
10h08
